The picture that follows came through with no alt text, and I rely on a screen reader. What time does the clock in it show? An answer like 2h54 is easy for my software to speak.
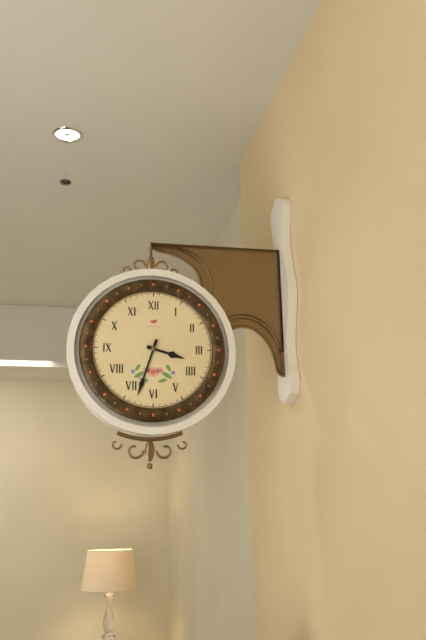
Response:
3h33
